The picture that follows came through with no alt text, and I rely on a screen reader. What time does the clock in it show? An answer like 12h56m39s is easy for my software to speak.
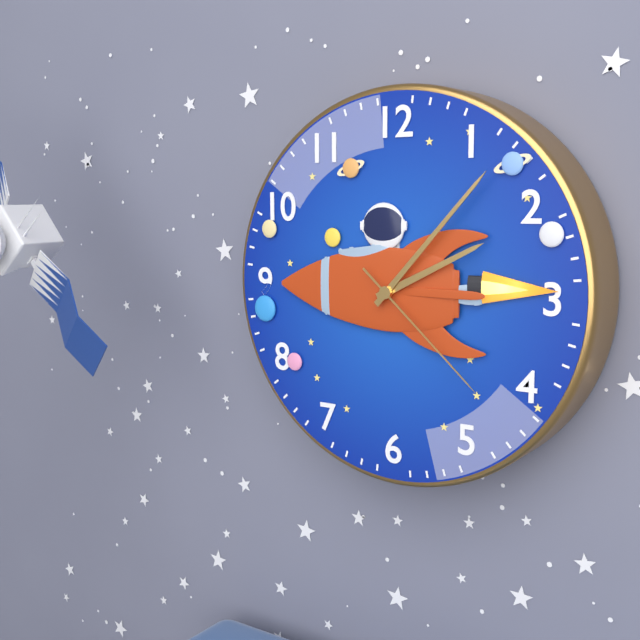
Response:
2h07m22s
